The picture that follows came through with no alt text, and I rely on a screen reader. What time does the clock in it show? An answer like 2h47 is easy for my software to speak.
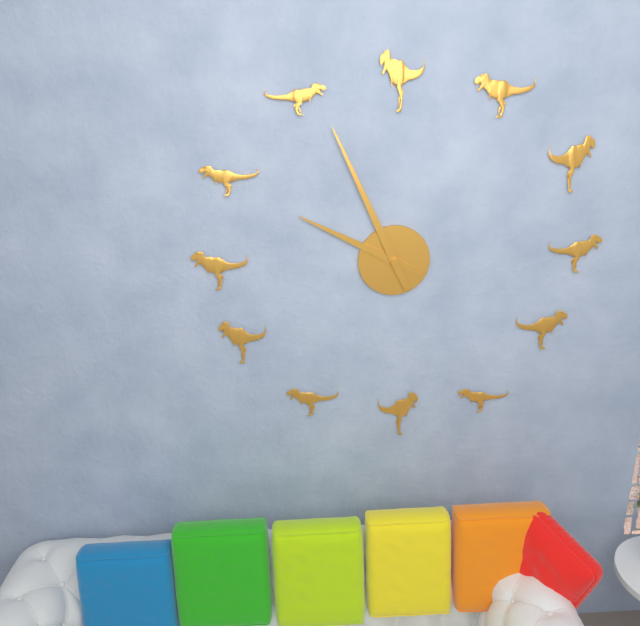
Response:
9h56
